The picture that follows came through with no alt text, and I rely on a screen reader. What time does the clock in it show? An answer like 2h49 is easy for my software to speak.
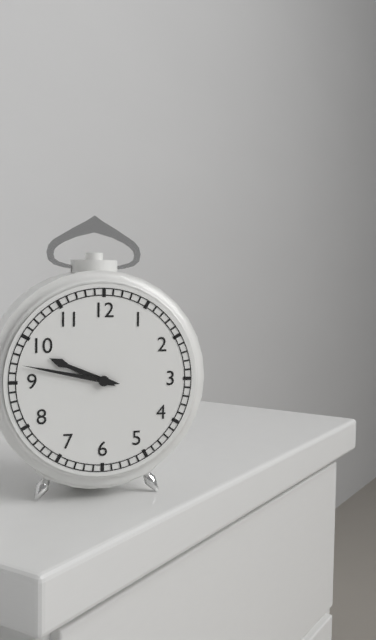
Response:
9h47
